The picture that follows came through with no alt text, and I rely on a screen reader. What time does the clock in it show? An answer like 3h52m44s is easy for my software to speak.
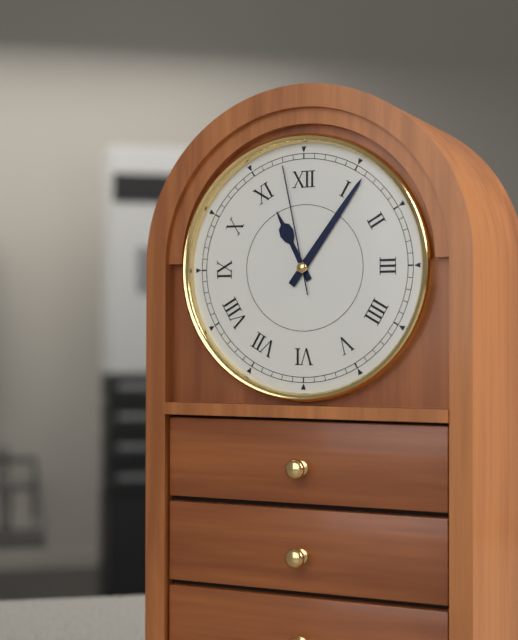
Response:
11h06m58s
